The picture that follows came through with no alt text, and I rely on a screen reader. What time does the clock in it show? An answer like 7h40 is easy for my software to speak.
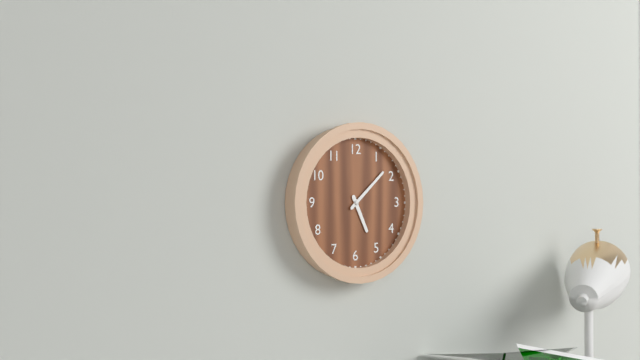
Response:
5h08
